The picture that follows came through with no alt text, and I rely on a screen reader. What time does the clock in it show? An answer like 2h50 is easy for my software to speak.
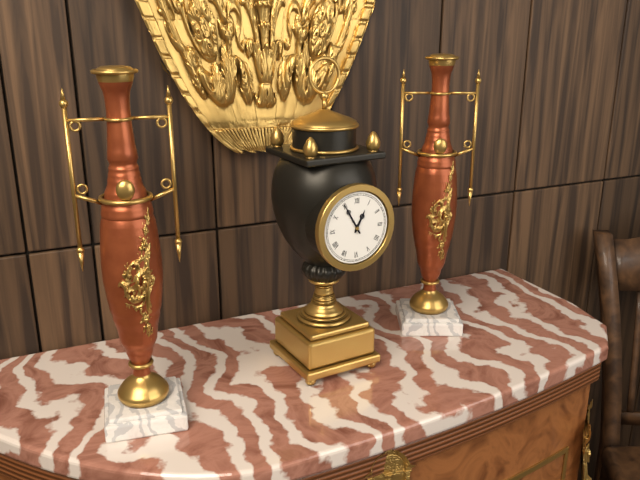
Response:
12h55
